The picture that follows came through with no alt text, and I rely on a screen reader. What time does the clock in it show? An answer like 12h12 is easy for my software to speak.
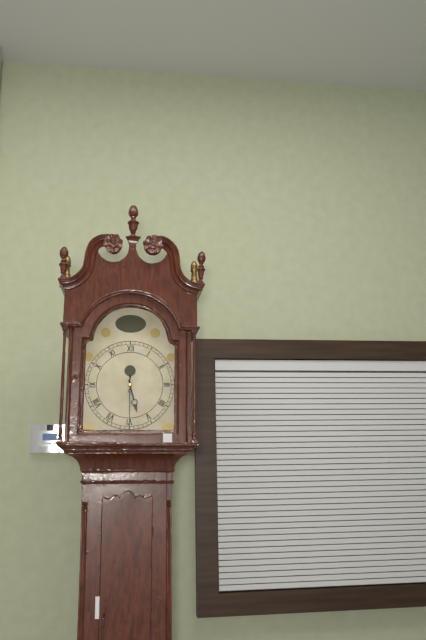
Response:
5h30
